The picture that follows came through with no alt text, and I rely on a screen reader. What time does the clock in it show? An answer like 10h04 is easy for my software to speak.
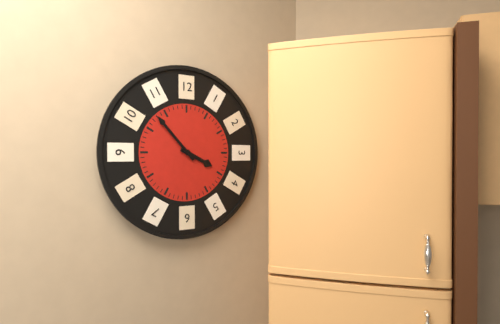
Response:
3h53
